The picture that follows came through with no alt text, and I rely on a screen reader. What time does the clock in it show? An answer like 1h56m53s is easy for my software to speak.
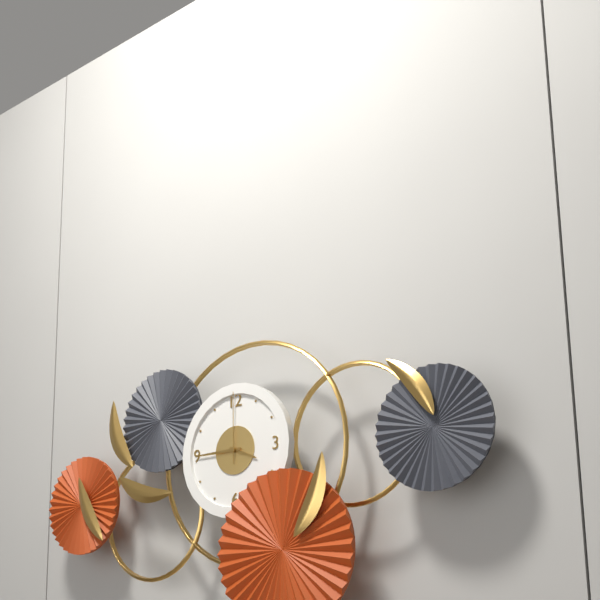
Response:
3h45m00s
